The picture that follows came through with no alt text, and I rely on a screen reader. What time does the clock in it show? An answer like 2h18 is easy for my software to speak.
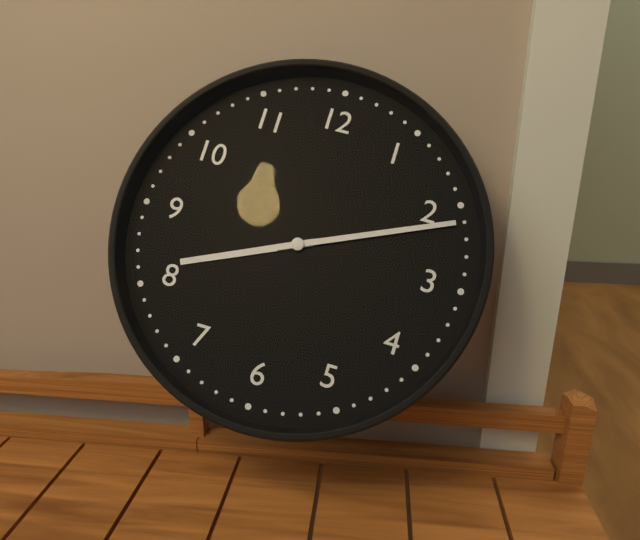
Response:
8h11
